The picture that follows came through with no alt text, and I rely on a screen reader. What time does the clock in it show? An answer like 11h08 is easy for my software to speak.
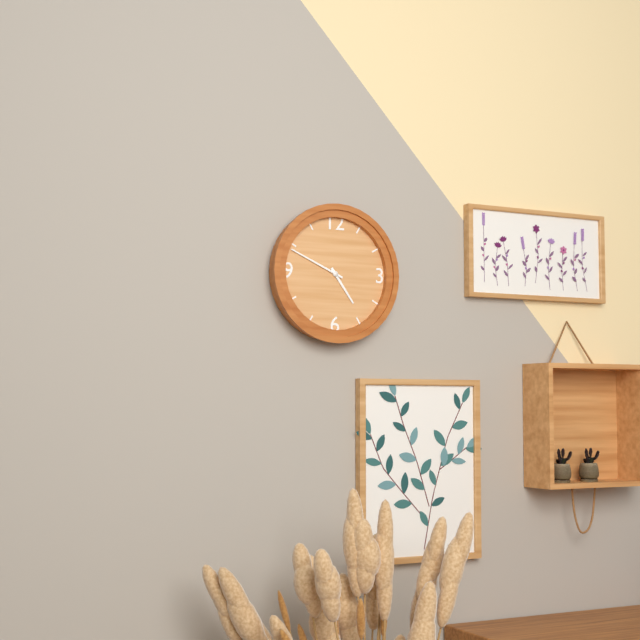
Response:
4h49
